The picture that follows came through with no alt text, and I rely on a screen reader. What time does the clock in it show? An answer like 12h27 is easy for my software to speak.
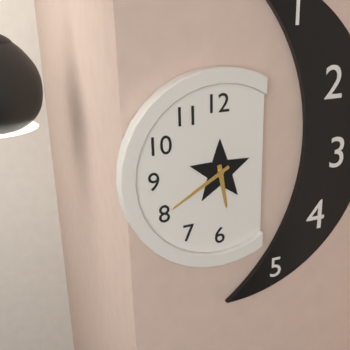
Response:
5h40
